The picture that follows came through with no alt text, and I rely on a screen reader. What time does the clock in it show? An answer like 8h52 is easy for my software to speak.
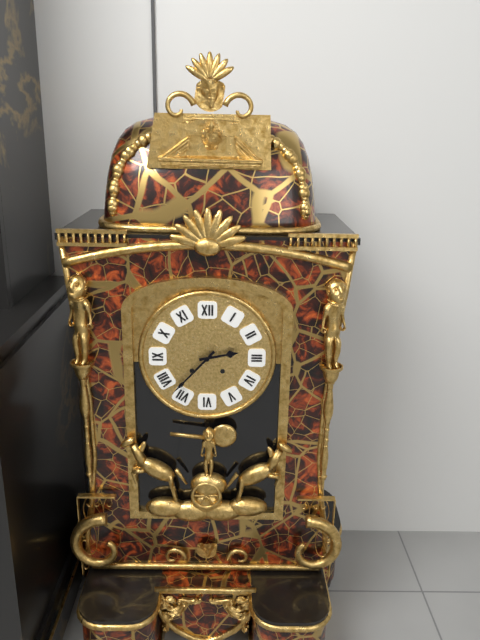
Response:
2h37
